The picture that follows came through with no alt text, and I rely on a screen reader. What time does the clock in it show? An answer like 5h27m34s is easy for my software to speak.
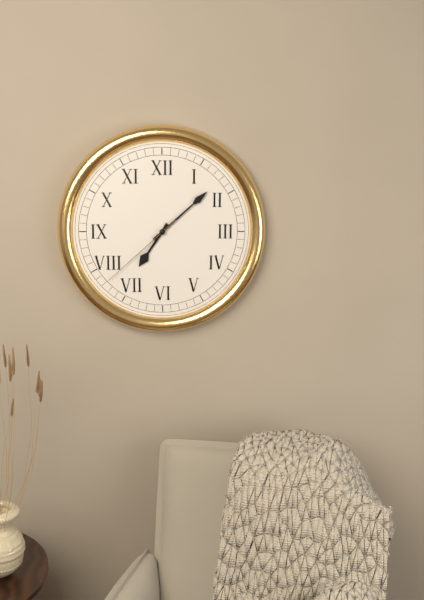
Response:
7h08m38s
